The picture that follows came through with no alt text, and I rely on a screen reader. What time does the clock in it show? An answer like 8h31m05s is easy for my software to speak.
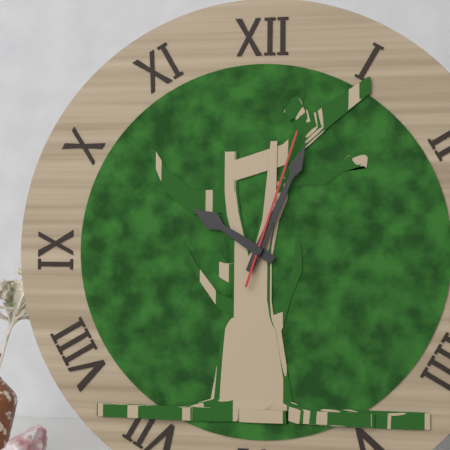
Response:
10h04m03s
